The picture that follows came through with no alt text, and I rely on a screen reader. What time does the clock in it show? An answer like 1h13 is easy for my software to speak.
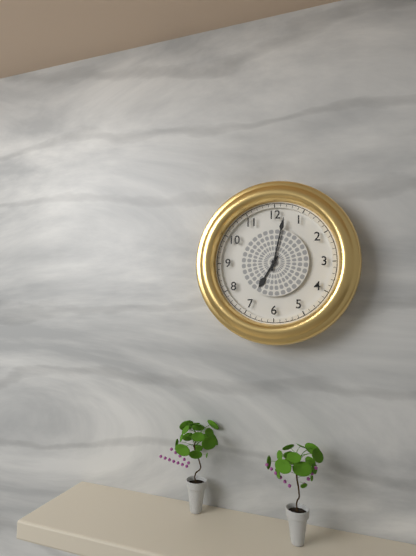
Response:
7h02
